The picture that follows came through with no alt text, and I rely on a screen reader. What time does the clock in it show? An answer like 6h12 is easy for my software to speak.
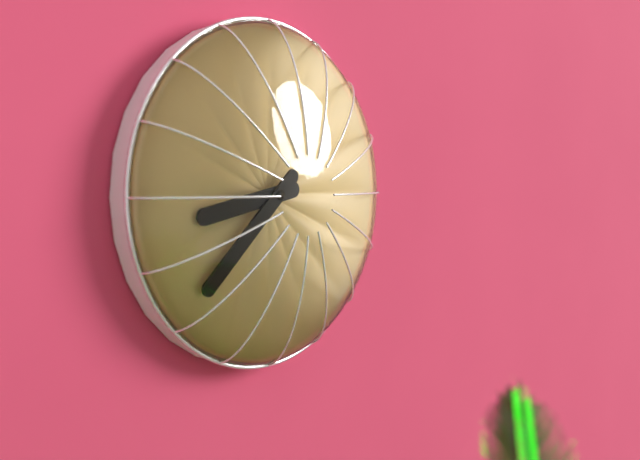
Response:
8h38
